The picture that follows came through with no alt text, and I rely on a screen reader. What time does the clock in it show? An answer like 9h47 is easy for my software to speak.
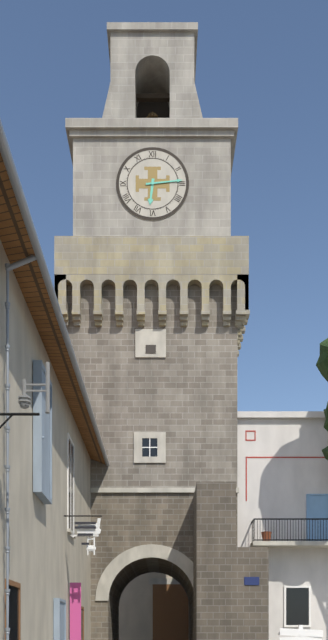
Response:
6h14
